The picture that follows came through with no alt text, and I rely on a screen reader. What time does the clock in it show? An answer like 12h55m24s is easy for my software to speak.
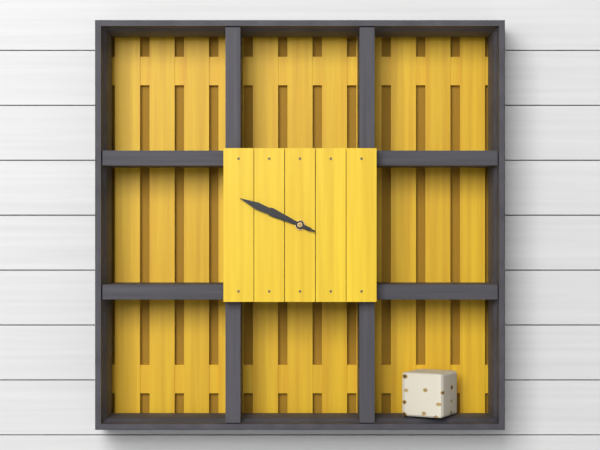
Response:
9h49m49s
